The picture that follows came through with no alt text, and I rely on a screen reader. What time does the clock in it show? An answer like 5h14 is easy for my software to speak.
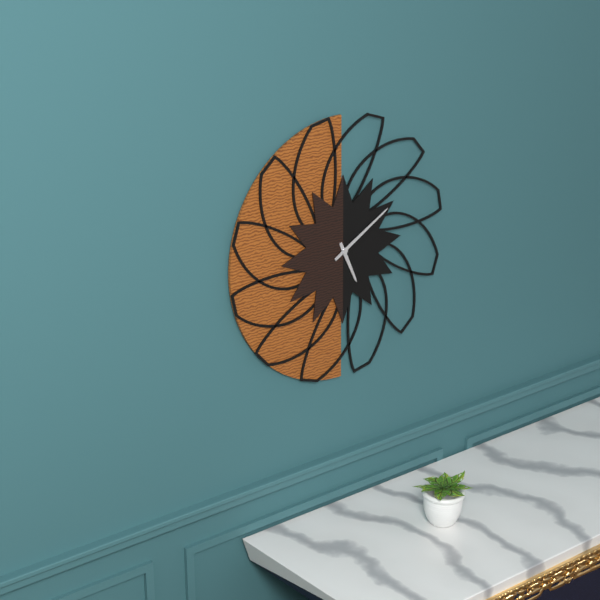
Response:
5h10
